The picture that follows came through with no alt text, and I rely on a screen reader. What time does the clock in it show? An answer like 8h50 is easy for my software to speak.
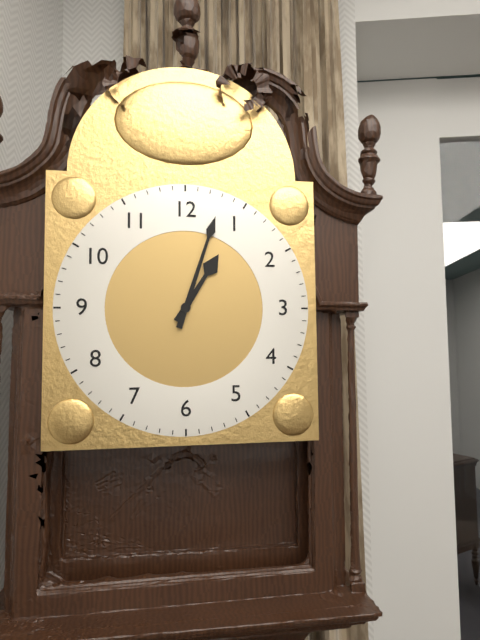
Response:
1h03
